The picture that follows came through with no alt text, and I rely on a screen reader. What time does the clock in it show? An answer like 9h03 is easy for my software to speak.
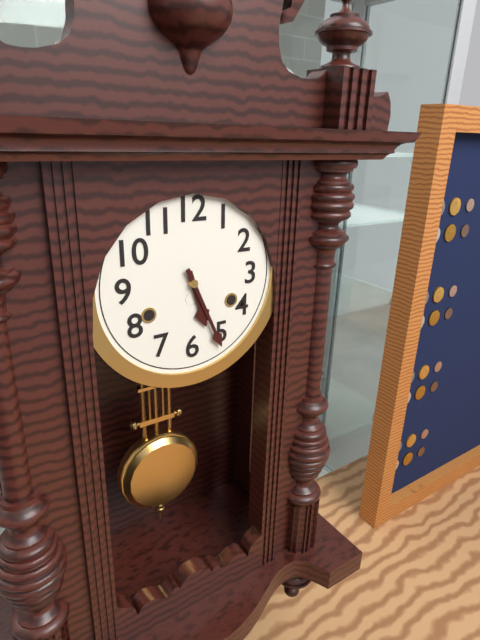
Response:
5h26
